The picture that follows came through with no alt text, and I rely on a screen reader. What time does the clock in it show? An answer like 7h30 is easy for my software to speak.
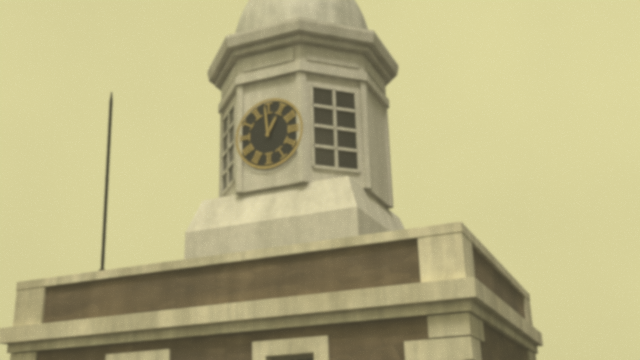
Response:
12h59
